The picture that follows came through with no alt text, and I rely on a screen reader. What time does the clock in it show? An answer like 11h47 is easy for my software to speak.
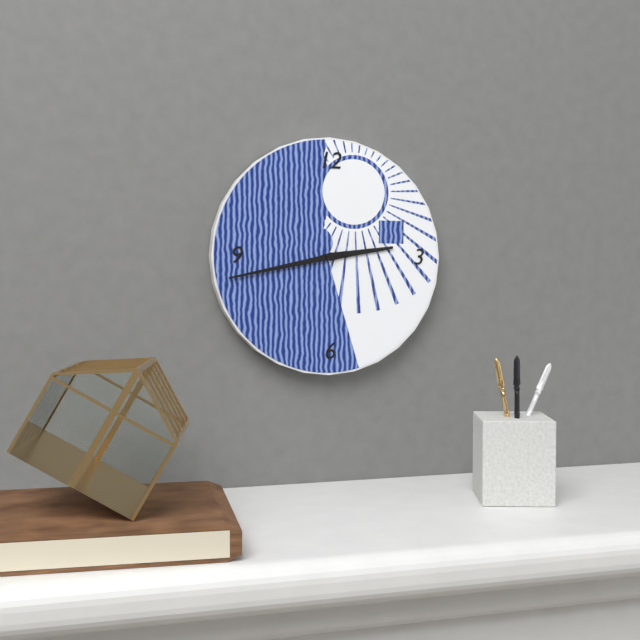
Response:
2h43
